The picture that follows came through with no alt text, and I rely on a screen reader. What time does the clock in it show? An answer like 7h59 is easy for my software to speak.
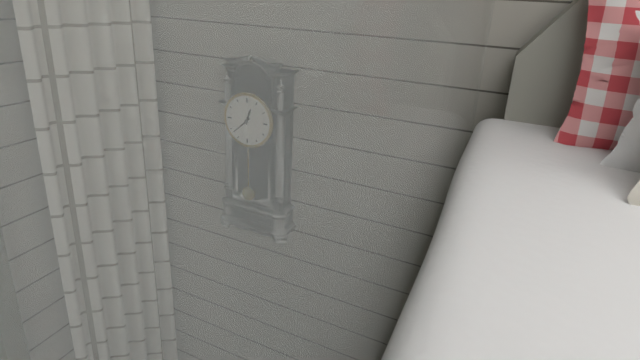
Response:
12h38
